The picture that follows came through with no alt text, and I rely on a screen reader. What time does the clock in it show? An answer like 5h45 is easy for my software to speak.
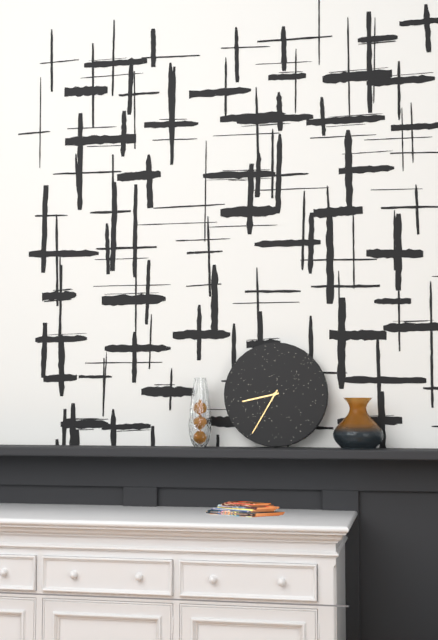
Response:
8h35
